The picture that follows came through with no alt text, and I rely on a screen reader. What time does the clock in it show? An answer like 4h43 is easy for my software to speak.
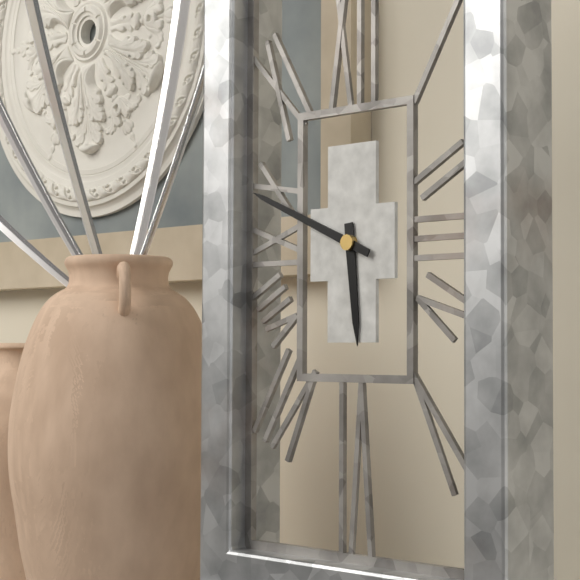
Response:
5h49
